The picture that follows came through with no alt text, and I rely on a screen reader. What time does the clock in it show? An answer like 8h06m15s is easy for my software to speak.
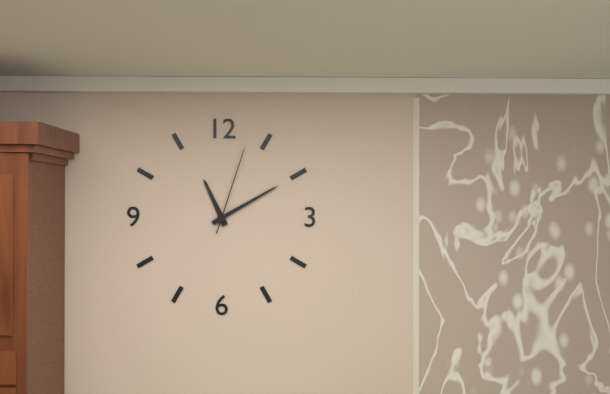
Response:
11h10m03s
